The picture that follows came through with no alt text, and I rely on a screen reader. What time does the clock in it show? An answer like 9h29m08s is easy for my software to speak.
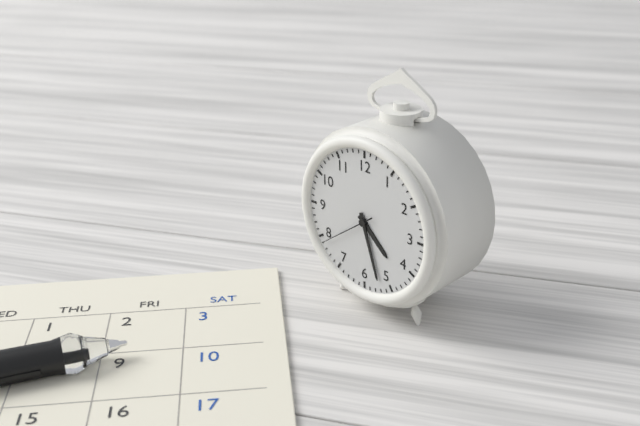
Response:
4h27m39s
